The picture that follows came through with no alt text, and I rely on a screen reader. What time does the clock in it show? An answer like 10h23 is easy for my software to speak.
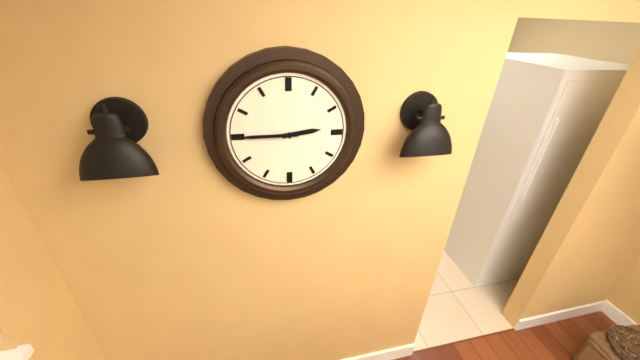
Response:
2h45
